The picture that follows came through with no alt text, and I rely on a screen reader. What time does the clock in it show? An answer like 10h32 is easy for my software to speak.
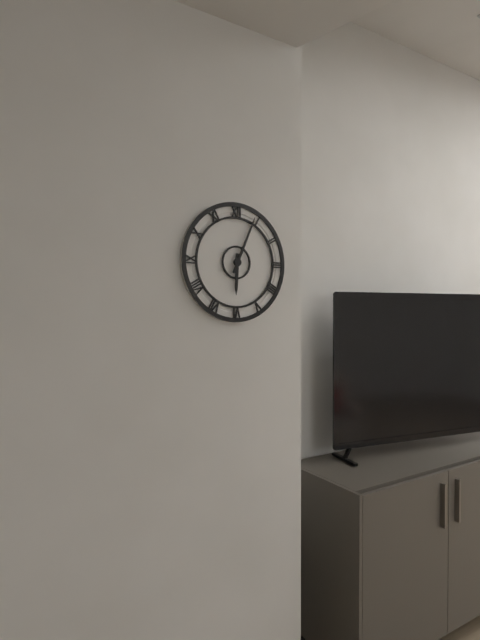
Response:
6h04
